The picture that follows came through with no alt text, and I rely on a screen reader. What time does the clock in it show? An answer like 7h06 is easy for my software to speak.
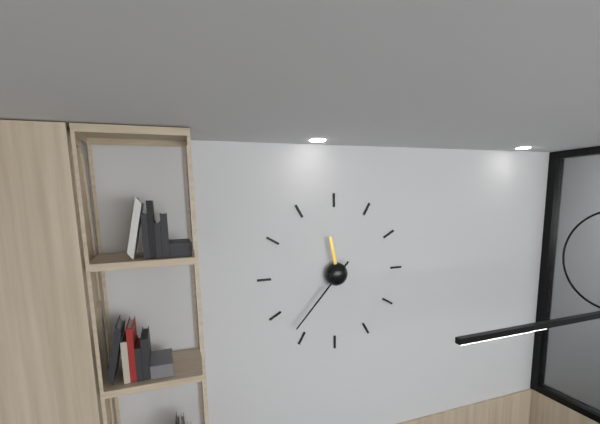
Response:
11h37
